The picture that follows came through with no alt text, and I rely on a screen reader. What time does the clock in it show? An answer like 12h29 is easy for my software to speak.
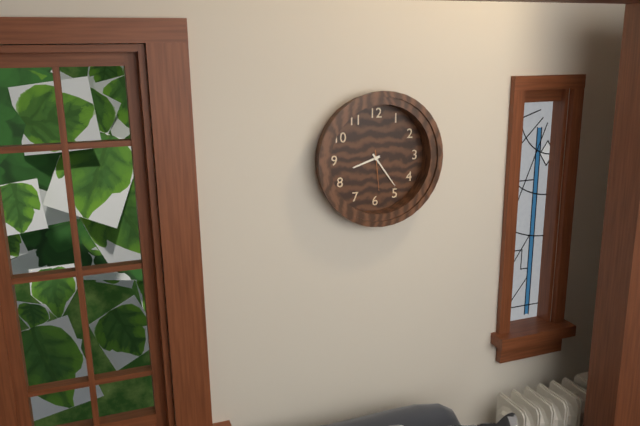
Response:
8h24
